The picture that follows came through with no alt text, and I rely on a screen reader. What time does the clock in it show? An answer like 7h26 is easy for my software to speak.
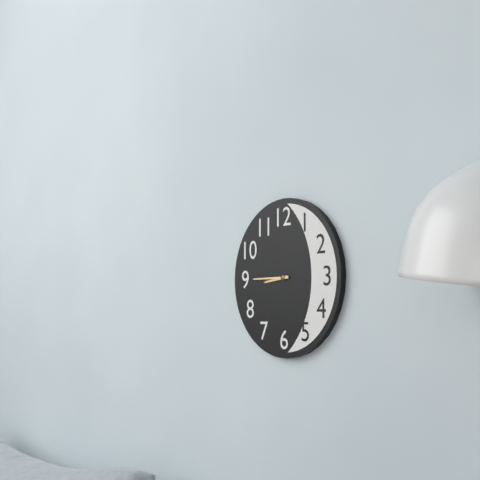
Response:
8h45
